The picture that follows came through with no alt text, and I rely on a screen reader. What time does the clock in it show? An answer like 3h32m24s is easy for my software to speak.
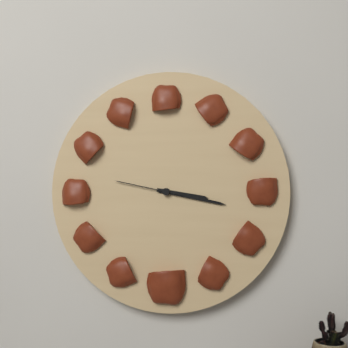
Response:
3h17m47s
